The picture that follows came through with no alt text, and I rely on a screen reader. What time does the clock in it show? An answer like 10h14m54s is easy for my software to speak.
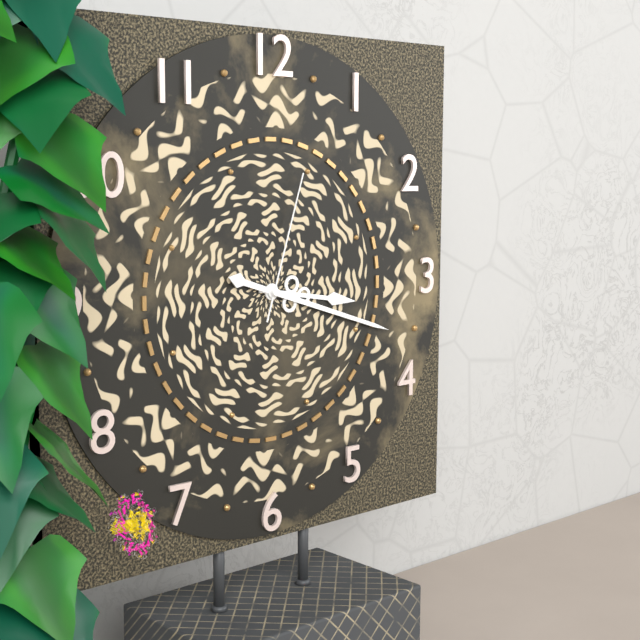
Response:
3h18m03s
